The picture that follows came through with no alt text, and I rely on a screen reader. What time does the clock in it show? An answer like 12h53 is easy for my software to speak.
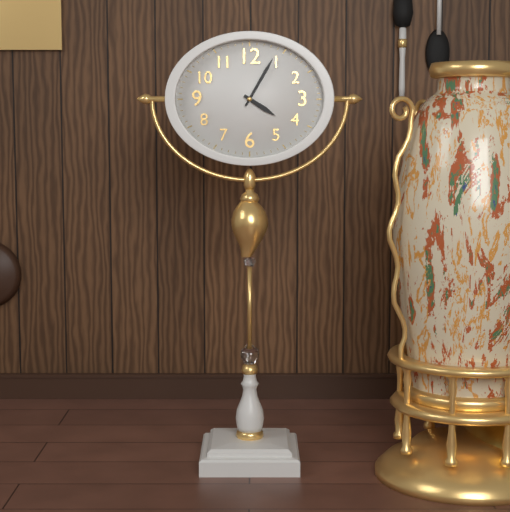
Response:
4h05
